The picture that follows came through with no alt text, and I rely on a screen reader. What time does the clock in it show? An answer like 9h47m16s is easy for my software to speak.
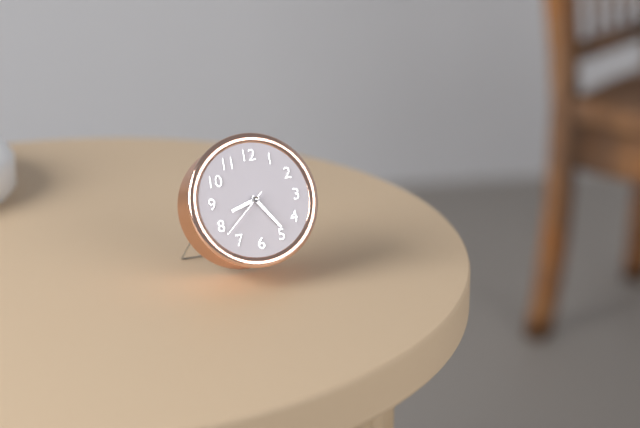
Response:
8h24m38s
